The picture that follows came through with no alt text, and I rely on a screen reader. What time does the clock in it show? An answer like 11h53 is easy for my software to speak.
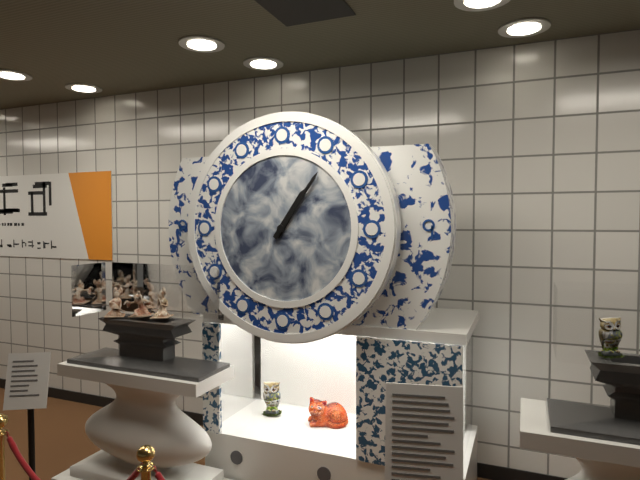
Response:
1h06
